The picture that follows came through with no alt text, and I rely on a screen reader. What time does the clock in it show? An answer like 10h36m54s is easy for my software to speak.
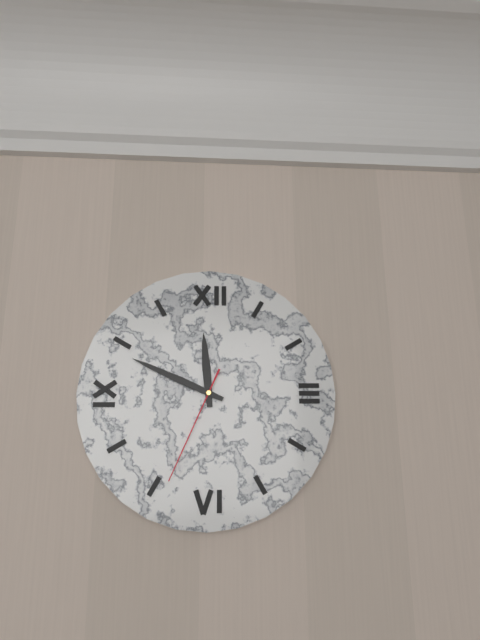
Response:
11h49m34s
